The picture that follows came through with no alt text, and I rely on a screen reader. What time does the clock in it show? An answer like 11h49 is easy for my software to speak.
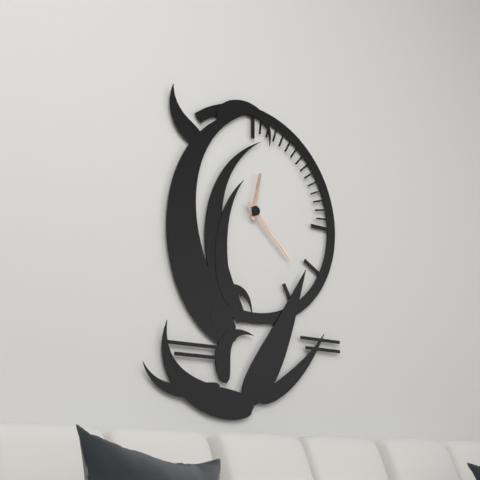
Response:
12h22
